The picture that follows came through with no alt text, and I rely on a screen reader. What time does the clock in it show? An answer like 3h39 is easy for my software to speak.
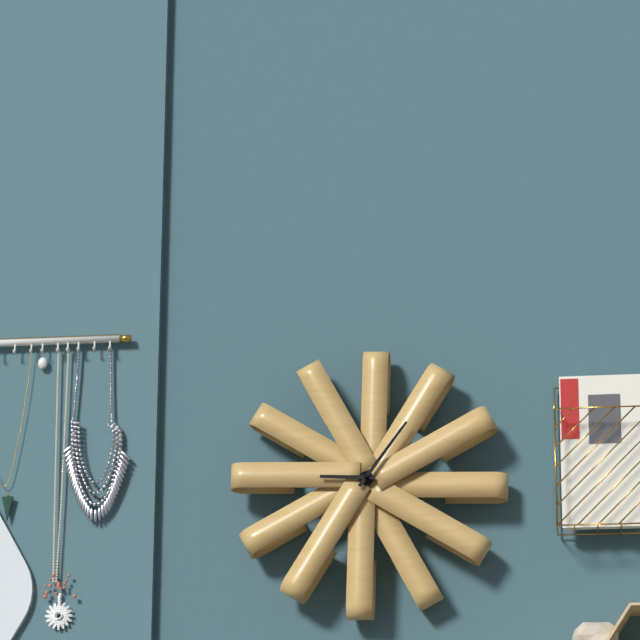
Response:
9h06
